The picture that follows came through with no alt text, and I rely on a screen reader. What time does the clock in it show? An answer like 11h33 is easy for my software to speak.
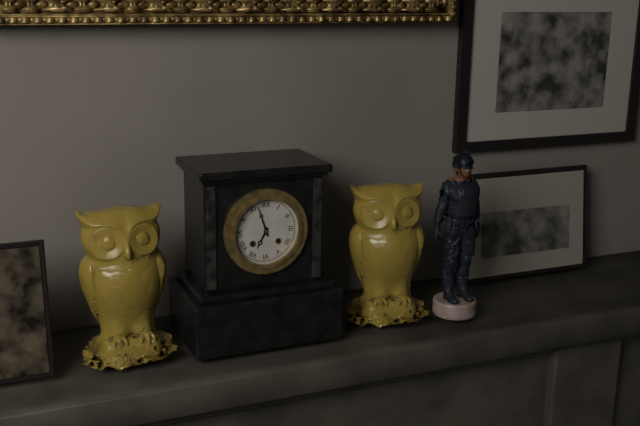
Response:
6h57
